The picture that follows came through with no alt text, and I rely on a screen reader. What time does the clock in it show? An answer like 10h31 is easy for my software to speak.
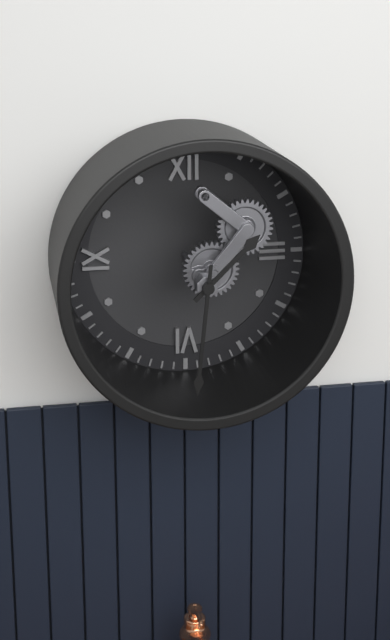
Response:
1h31
